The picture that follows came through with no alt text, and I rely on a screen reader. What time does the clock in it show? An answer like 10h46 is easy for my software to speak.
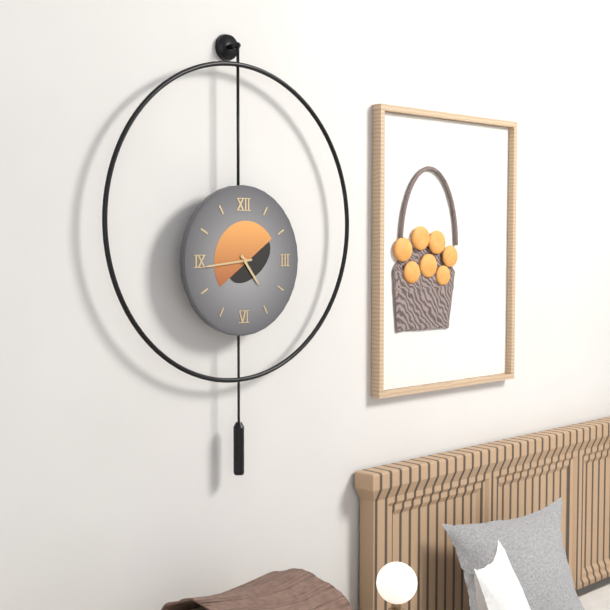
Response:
4h44
